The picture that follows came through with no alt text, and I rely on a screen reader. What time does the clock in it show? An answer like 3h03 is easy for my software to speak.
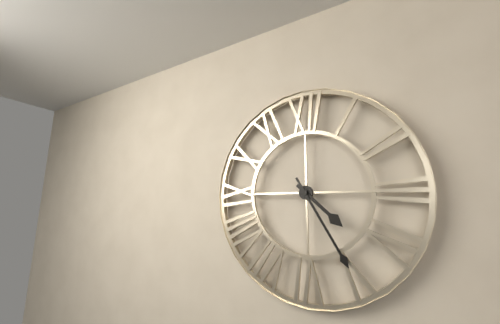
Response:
4h25
